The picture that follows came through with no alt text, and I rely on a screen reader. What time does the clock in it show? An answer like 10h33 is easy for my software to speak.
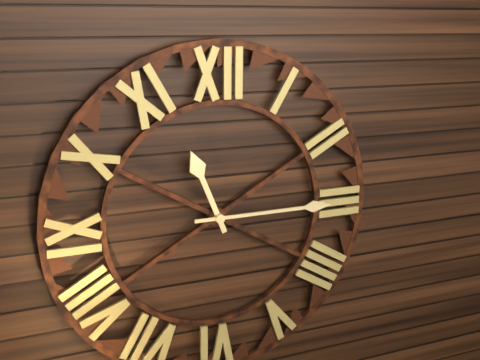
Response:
11h15
